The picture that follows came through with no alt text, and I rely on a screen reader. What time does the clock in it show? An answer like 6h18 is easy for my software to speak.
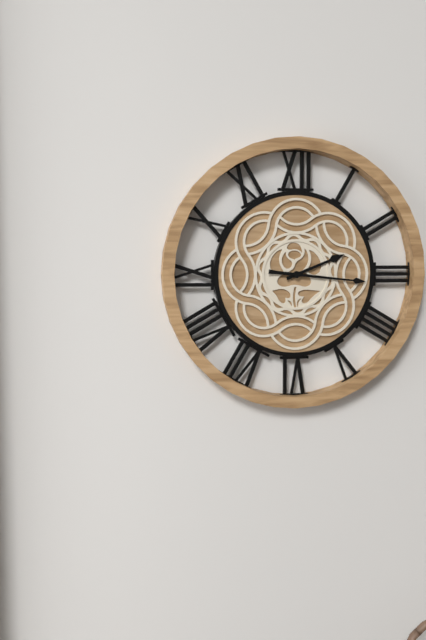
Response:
2h16
